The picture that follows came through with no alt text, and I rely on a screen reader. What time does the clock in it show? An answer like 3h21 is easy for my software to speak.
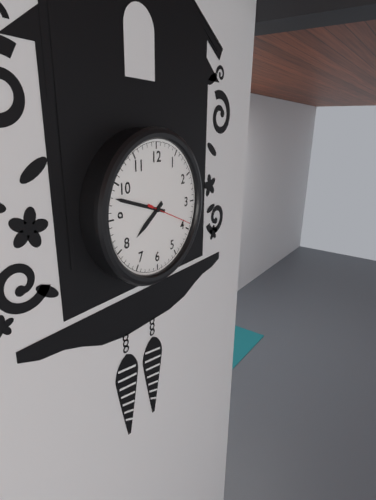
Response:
7h48
